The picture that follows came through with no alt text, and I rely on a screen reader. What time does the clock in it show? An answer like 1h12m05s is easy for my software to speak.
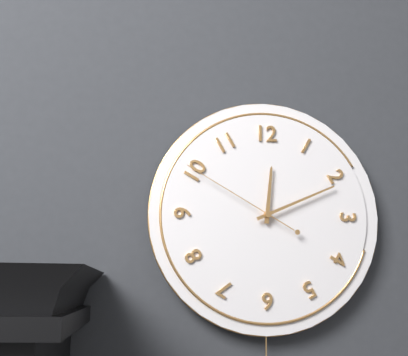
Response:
12h11m50s
